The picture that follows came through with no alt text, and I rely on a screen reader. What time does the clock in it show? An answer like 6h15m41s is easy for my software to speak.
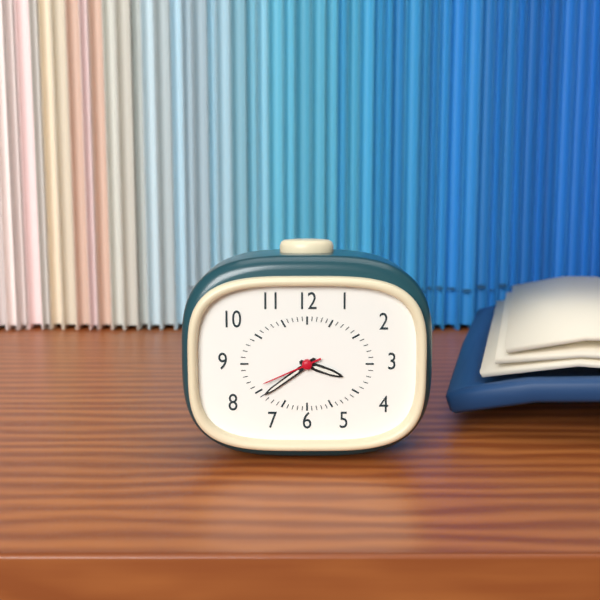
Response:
3h39m41s
